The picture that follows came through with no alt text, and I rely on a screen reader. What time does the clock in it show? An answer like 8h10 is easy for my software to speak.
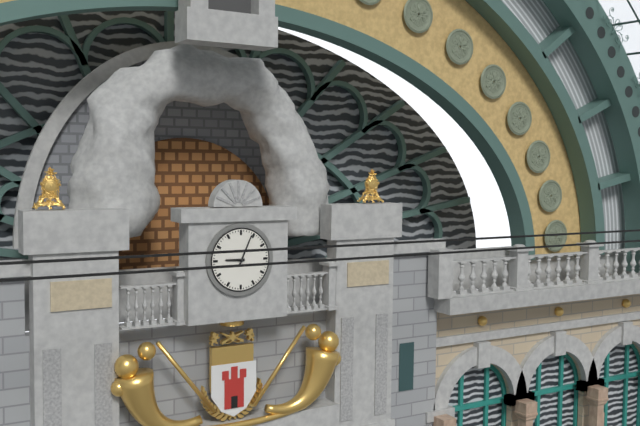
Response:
9h04
